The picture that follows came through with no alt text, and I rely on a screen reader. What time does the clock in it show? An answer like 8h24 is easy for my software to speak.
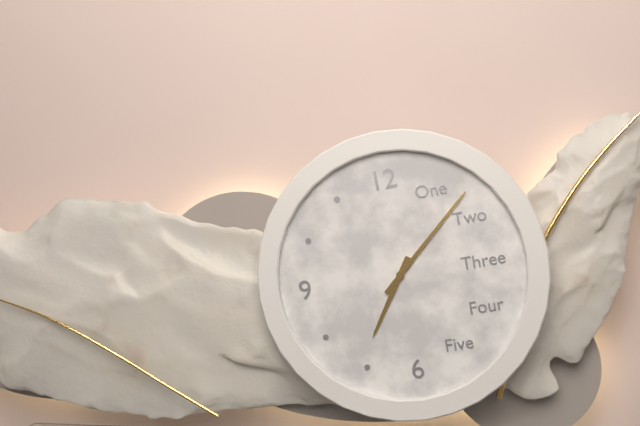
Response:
7h08
